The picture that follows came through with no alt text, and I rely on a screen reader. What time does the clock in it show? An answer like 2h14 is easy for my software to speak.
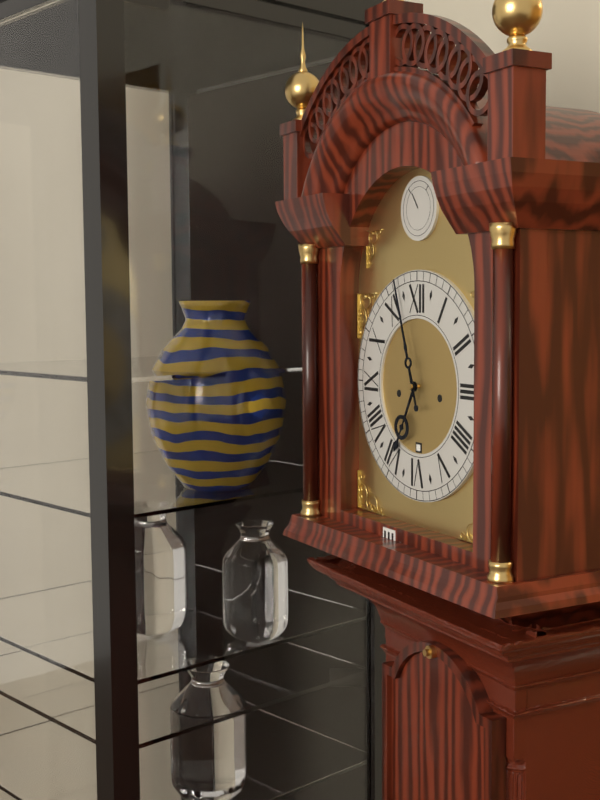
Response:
6h57
